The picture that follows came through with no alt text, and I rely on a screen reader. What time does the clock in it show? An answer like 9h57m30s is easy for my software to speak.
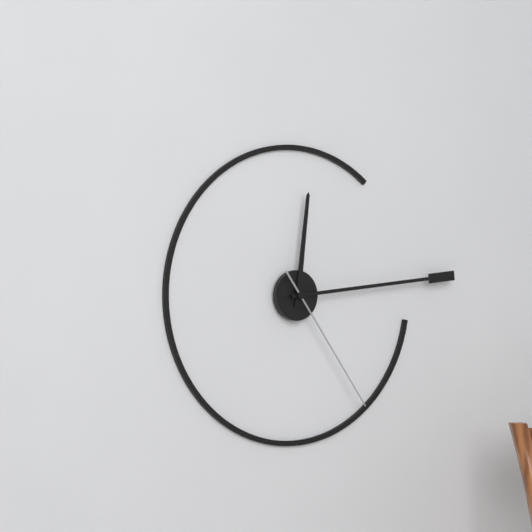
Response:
12h14m24s
